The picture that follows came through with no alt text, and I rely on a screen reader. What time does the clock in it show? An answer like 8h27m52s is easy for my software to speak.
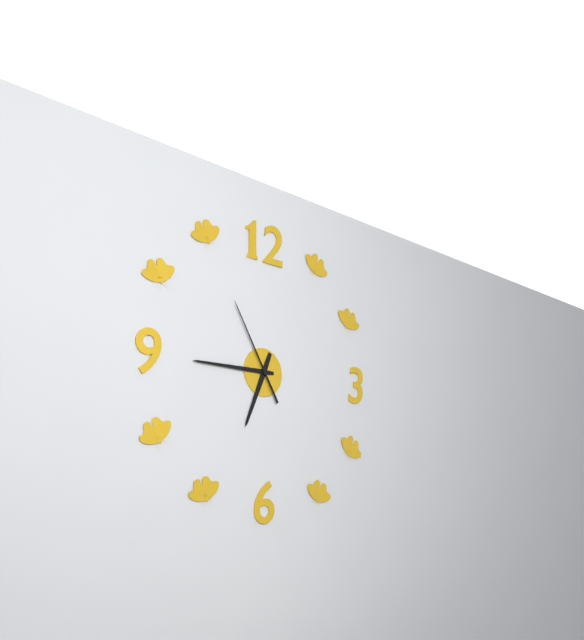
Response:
6h45m55s
